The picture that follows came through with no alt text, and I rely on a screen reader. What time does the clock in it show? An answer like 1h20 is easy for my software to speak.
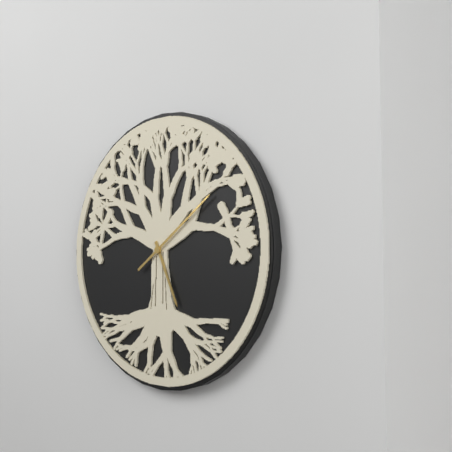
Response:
5h09
